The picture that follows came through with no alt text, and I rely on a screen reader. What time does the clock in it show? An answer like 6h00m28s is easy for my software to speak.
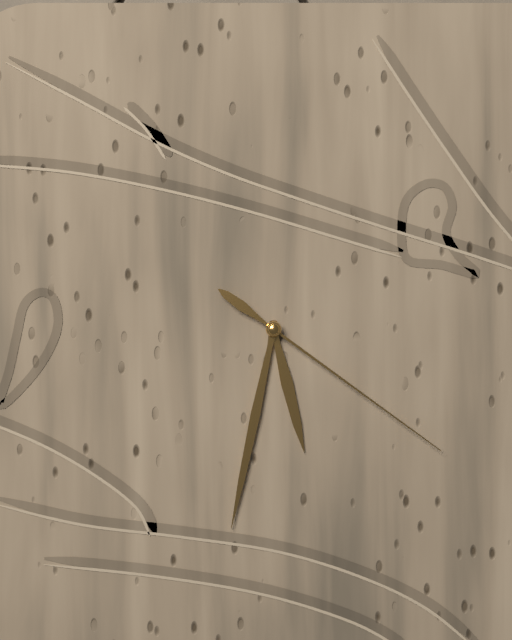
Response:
5h32m21s
